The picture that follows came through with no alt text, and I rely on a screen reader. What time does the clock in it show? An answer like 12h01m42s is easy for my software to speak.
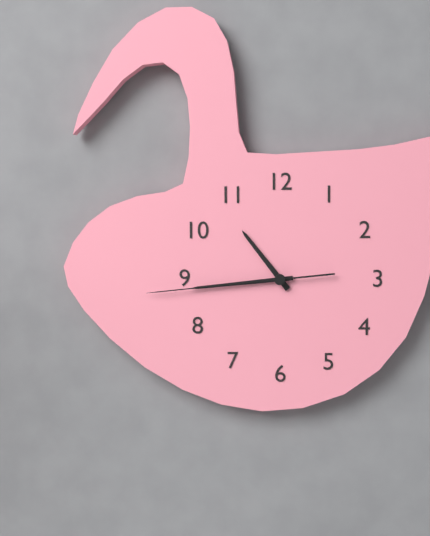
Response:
10h44m44s
